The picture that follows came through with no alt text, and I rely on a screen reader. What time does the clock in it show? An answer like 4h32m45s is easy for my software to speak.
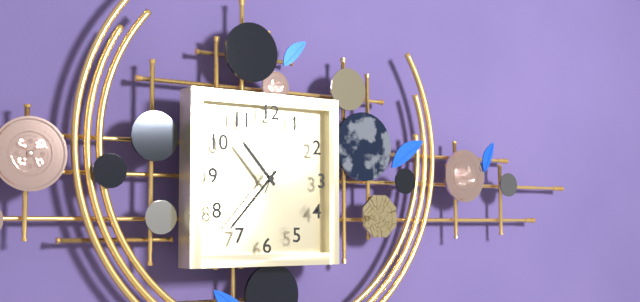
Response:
10h37m04s
